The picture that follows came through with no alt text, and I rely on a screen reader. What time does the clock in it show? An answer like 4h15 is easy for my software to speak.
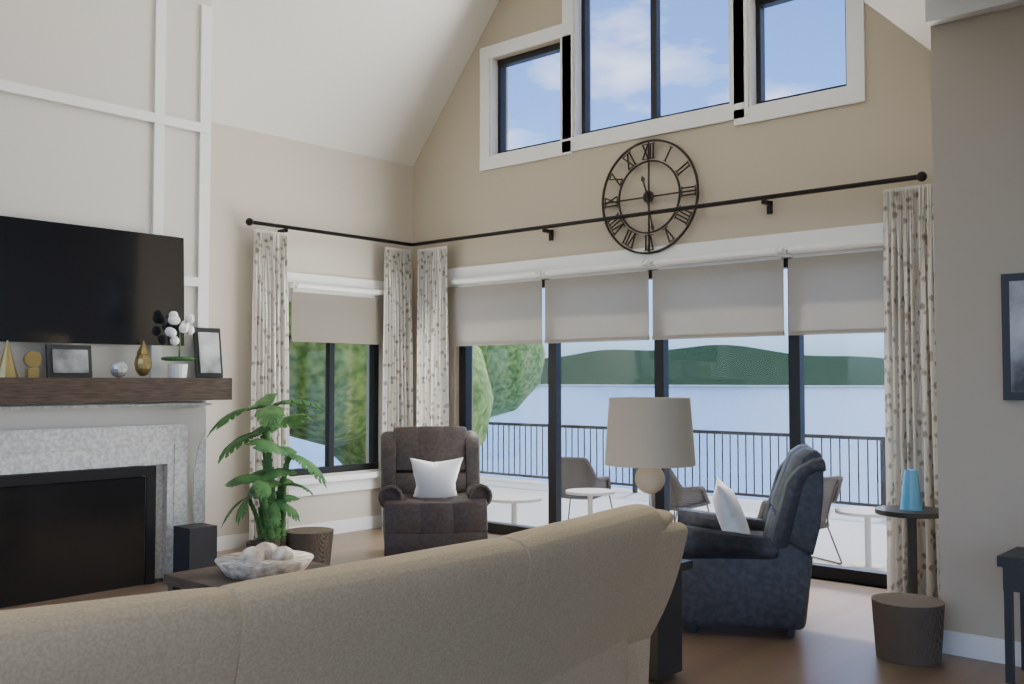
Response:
11h28
